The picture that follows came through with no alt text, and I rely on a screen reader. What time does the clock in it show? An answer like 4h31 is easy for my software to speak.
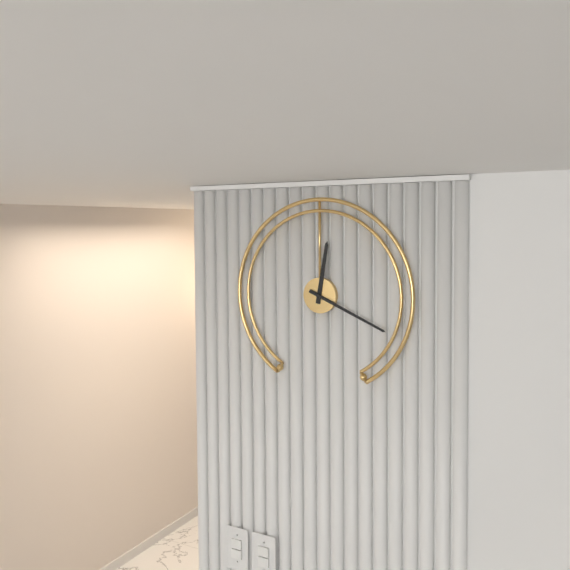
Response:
12h19
